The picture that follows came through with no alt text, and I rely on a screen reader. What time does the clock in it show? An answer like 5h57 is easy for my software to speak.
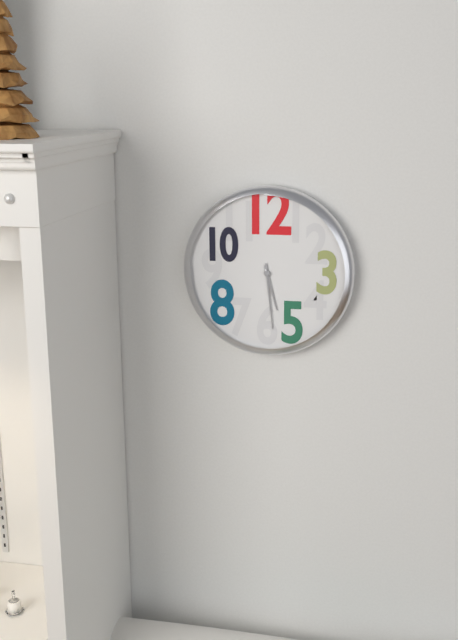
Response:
5h29
